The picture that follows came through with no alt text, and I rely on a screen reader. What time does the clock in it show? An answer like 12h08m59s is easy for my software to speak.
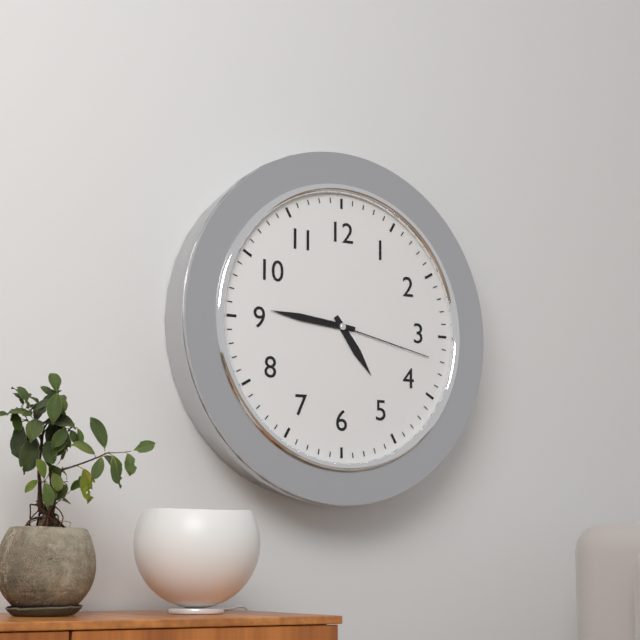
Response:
4h46m17s
